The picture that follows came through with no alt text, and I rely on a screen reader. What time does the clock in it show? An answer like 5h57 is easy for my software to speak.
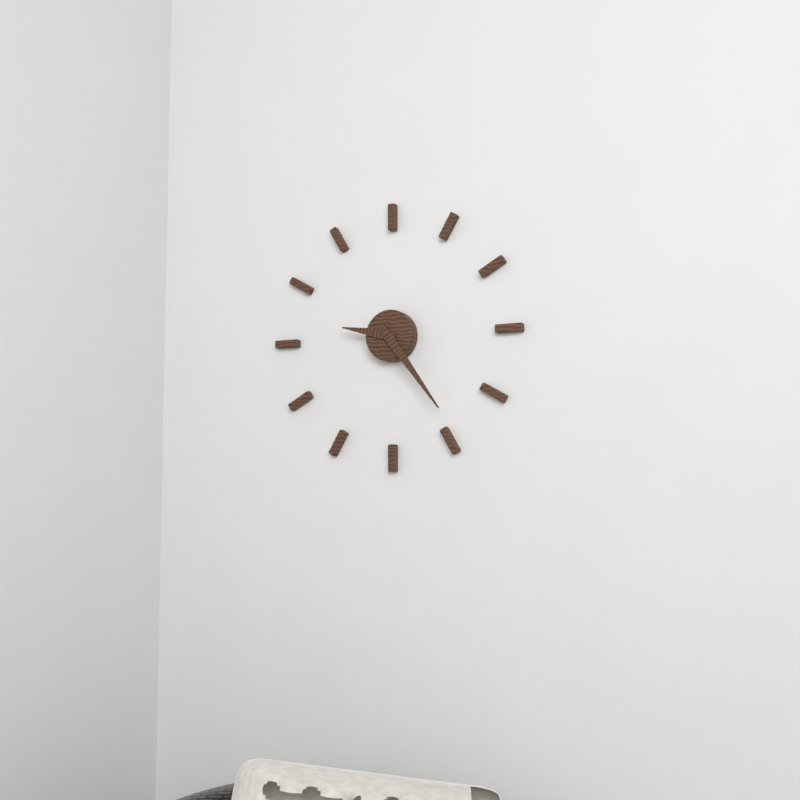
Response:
9h24
